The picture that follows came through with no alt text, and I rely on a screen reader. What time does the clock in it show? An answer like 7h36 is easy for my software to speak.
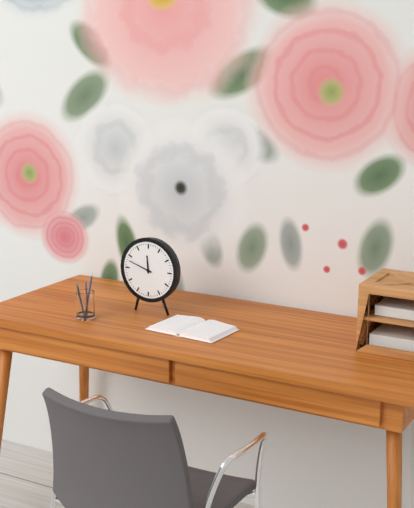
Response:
11h48
